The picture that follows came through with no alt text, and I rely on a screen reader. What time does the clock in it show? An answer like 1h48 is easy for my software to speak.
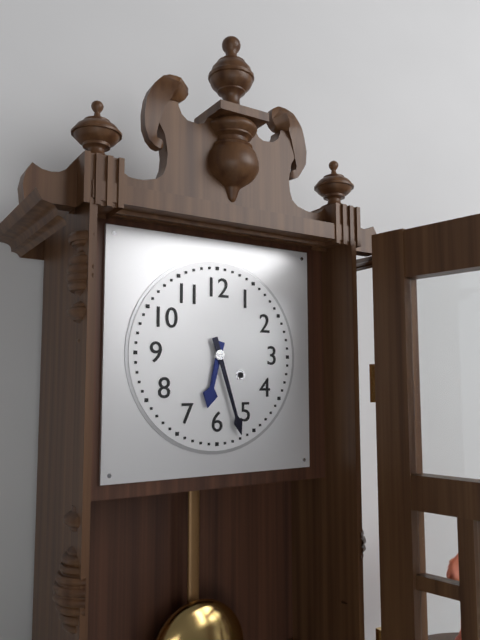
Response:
6h27
